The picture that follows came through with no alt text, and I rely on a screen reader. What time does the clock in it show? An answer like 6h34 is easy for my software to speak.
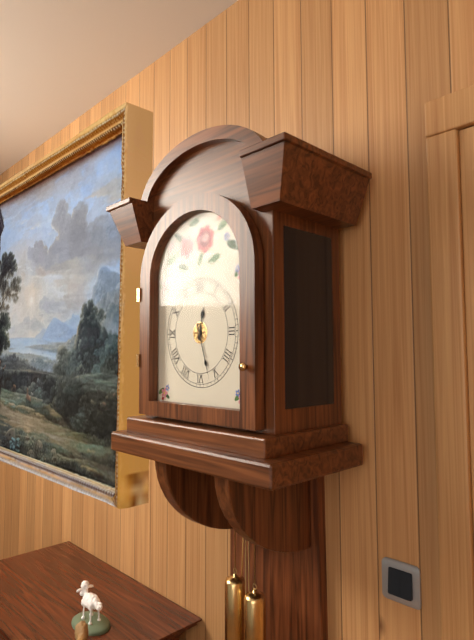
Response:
12h27
